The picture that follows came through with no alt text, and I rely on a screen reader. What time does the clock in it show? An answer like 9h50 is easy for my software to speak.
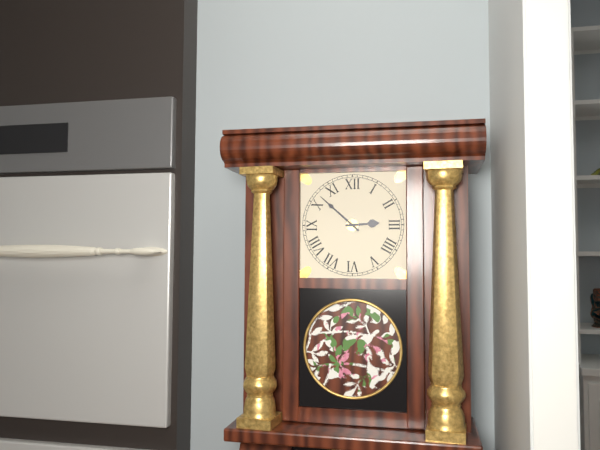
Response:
2h52
